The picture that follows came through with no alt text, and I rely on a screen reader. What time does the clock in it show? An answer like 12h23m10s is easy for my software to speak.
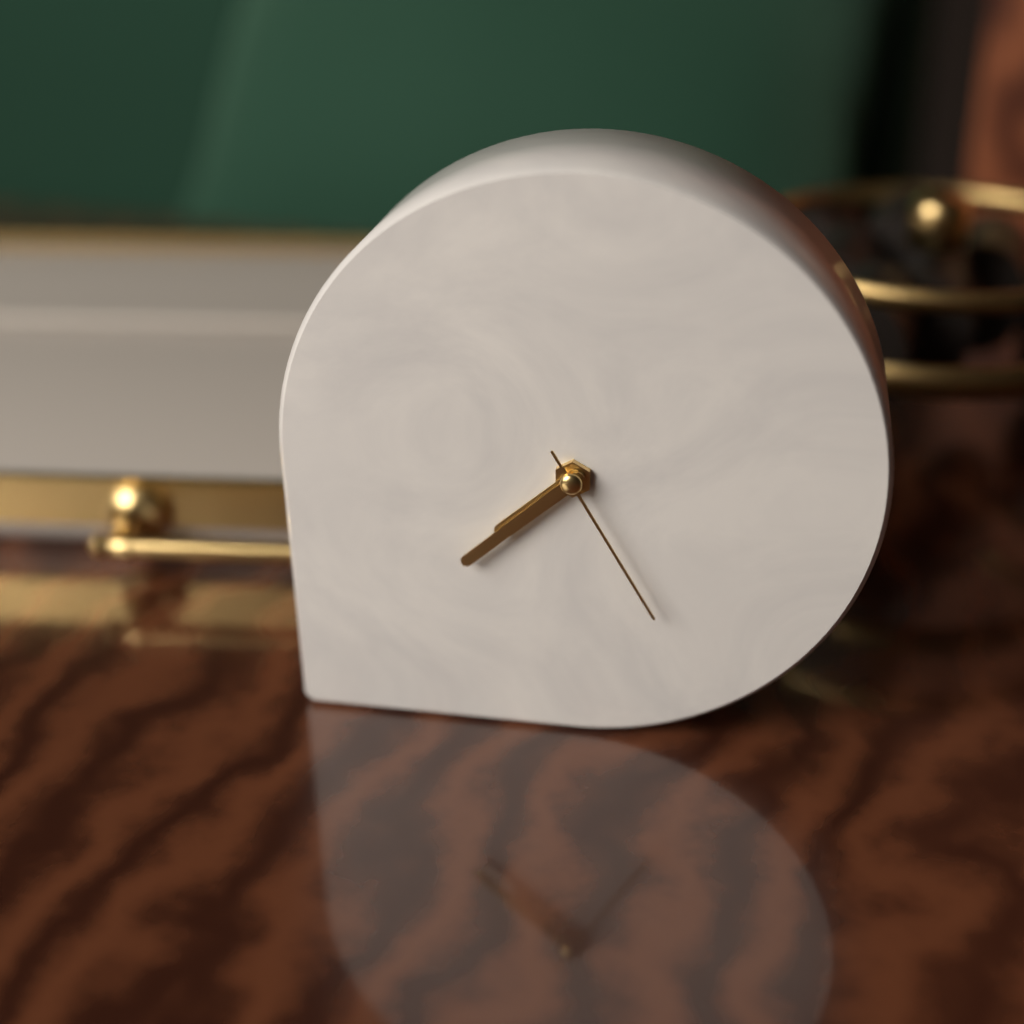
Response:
7h38m25s
